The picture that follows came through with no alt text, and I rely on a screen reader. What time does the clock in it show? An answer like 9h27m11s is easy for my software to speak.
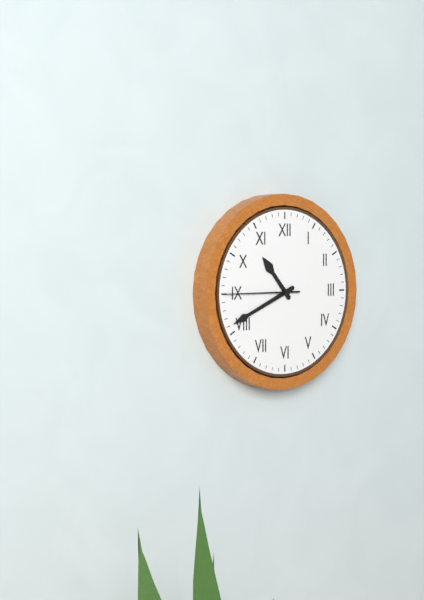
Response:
10h41m45s
